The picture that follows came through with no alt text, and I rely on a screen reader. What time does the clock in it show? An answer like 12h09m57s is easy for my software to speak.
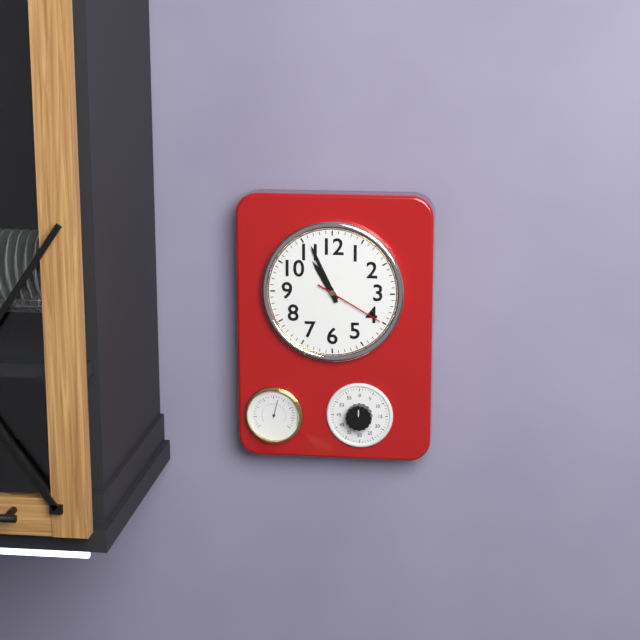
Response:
10h56m20s
